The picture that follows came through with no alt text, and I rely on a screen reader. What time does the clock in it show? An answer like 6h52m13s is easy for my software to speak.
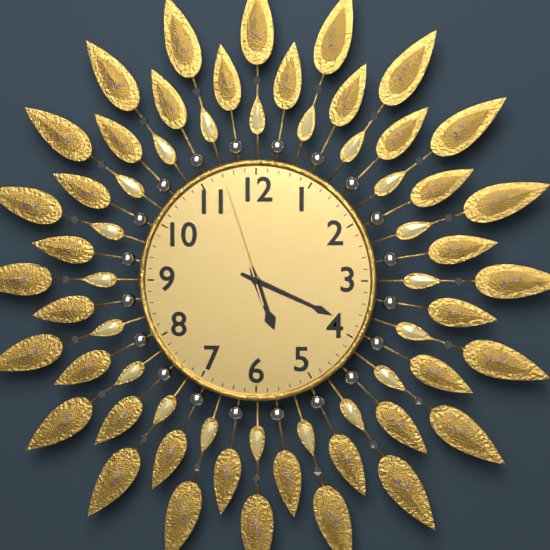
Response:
5h19m57s
